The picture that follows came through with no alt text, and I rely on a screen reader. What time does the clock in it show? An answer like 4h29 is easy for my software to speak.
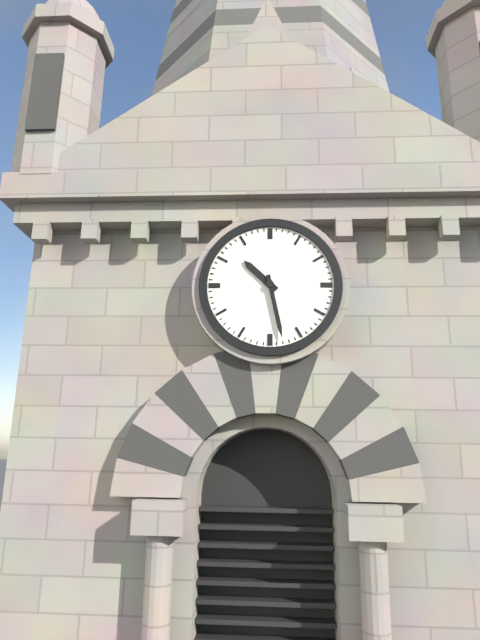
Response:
10h28
